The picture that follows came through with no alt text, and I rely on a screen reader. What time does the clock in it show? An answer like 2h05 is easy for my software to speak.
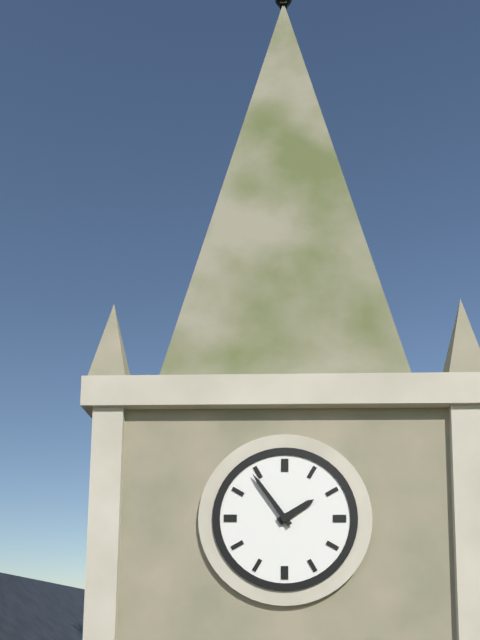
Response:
1h54
